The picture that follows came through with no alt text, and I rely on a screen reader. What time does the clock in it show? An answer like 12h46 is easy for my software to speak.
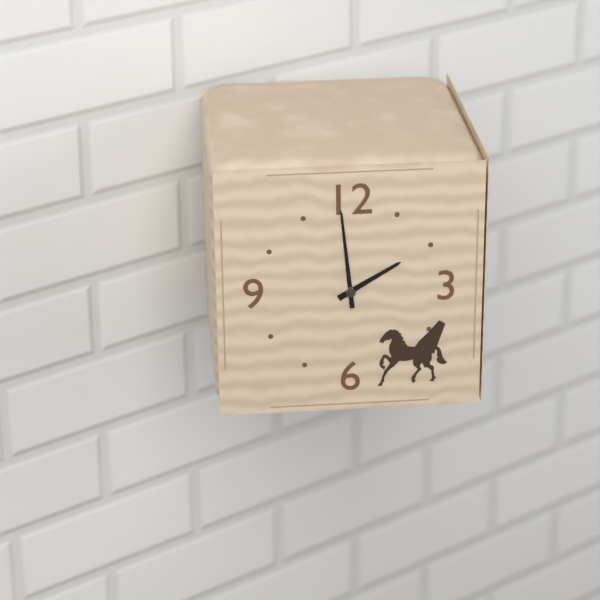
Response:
1h59
